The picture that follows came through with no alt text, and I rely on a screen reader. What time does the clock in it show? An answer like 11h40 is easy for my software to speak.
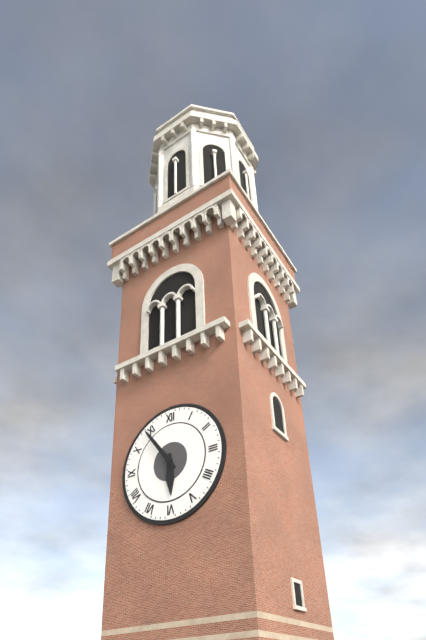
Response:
5h54
